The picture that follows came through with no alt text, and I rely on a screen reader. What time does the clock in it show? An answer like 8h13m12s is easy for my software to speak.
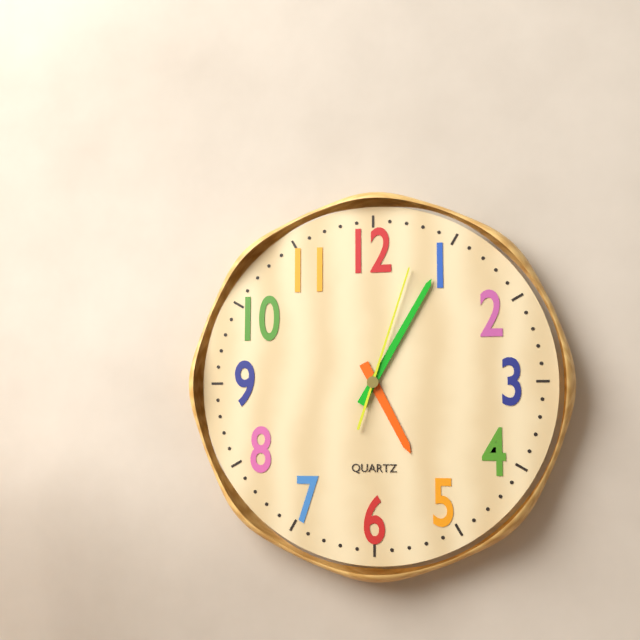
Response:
5h05m03s
